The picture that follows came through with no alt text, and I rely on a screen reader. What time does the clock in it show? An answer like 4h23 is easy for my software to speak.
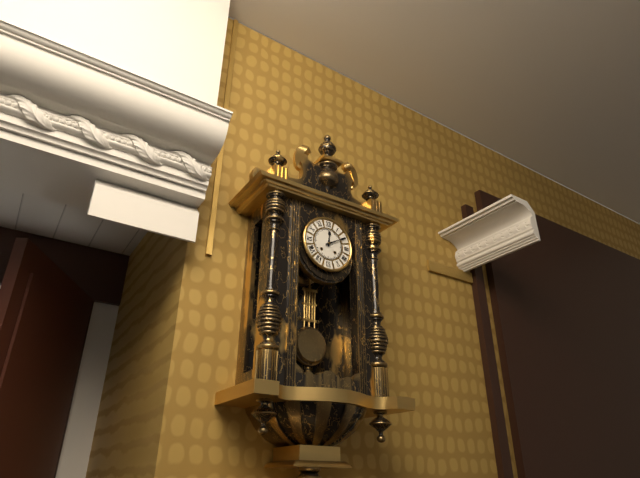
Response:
12h10
